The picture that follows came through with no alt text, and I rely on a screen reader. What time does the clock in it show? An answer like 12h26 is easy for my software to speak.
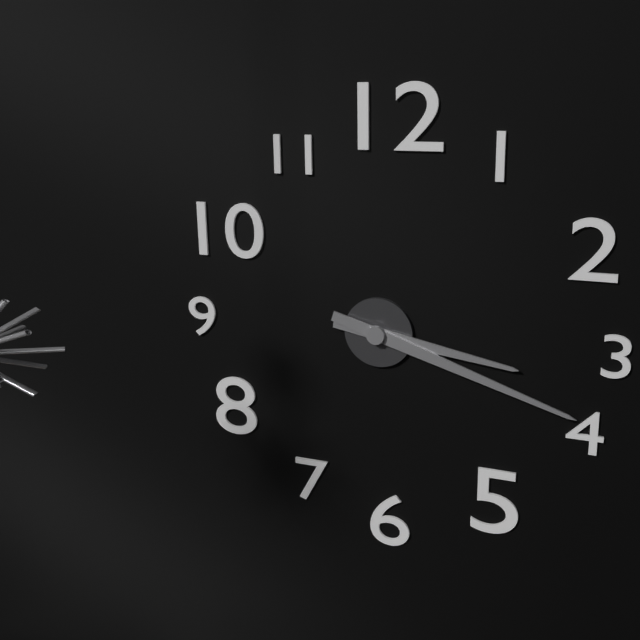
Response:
3h18
